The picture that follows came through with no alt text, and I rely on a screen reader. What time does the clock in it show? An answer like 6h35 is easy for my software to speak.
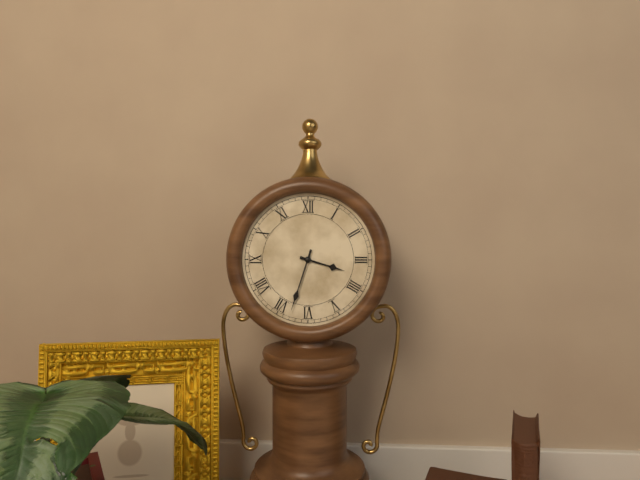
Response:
3h33
